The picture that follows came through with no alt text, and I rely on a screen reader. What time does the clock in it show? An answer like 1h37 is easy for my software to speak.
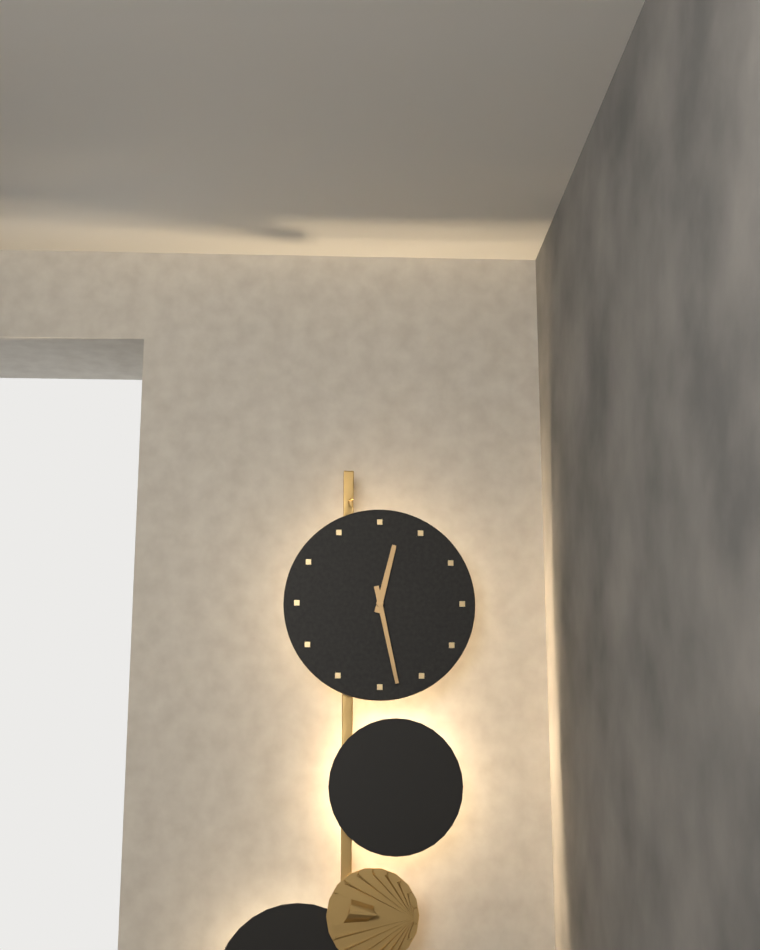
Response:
12h28
